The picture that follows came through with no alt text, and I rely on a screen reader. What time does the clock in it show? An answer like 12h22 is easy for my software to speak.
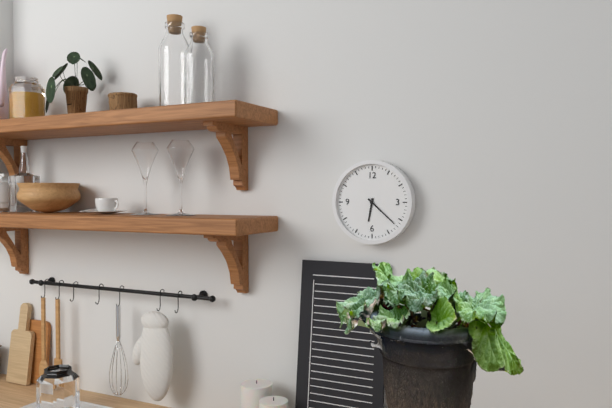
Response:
6h22
